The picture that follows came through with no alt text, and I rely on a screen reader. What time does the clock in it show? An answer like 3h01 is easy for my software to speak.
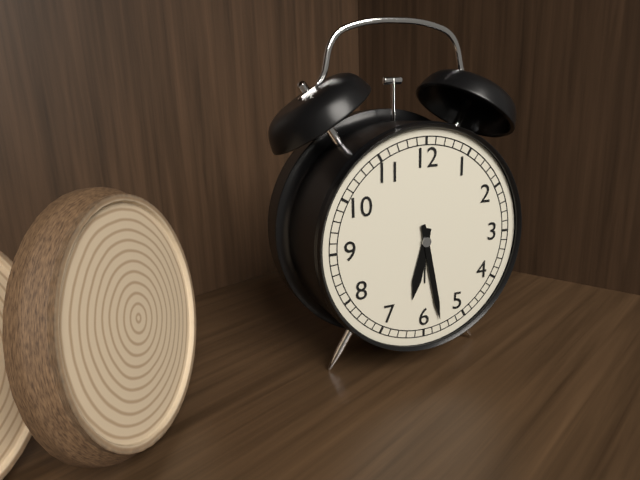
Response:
6h28
